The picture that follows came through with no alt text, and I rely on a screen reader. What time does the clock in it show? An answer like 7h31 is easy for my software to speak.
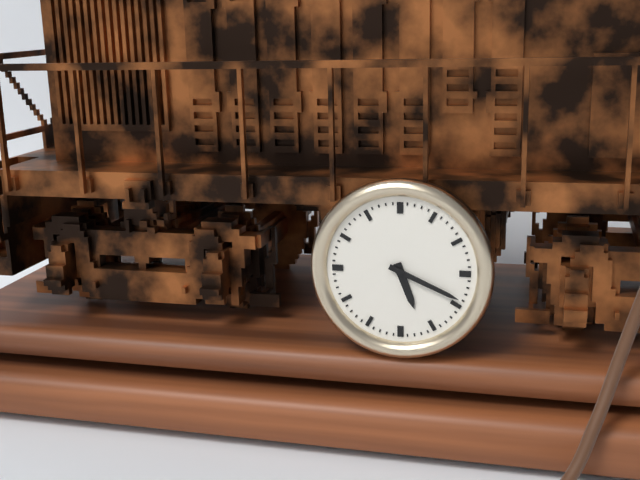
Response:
5h19
